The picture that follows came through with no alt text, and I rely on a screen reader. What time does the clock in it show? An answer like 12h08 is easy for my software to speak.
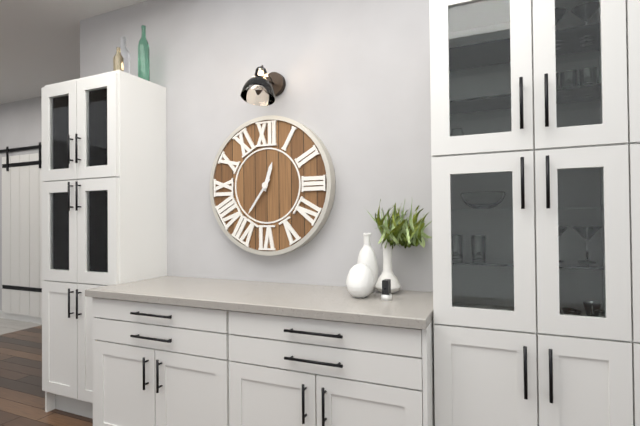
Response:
12h36
